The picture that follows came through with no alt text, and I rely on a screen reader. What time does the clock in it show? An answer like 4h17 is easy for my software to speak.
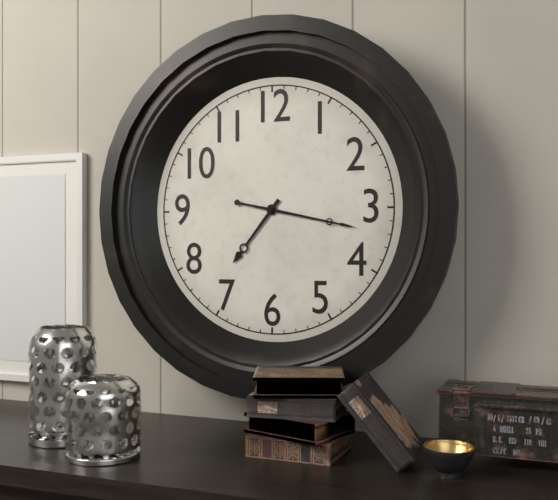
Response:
7h17
